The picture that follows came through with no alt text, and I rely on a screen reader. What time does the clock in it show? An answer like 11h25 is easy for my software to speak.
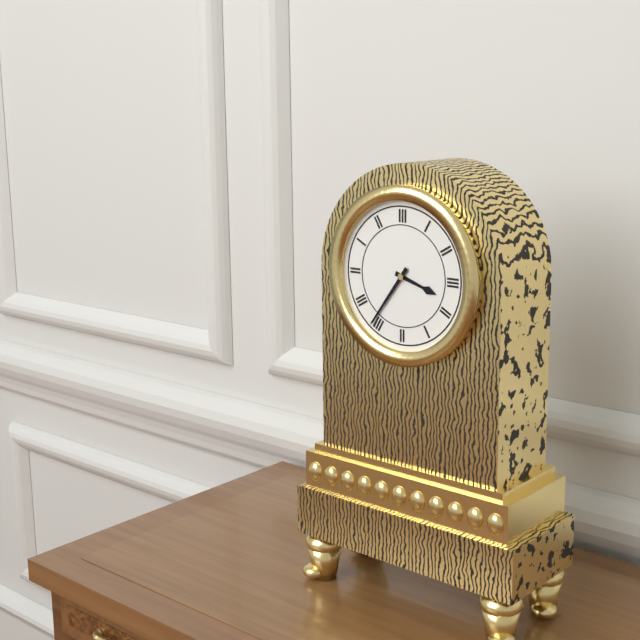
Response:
3h36
